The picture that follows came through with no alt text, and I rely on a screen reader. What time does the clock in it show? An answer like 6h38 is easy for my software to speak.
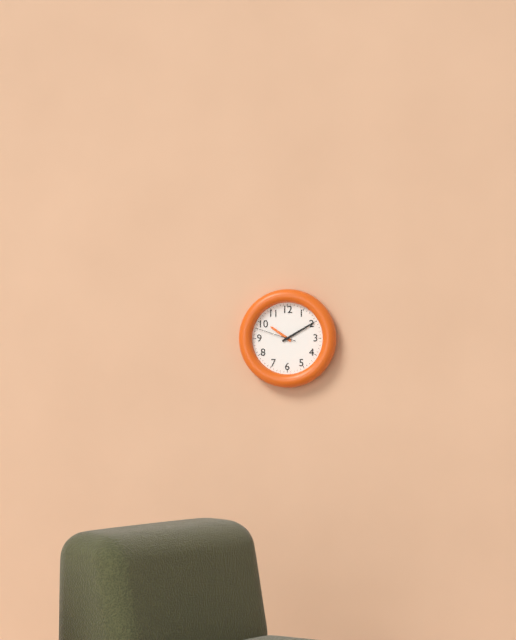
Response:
10h10
